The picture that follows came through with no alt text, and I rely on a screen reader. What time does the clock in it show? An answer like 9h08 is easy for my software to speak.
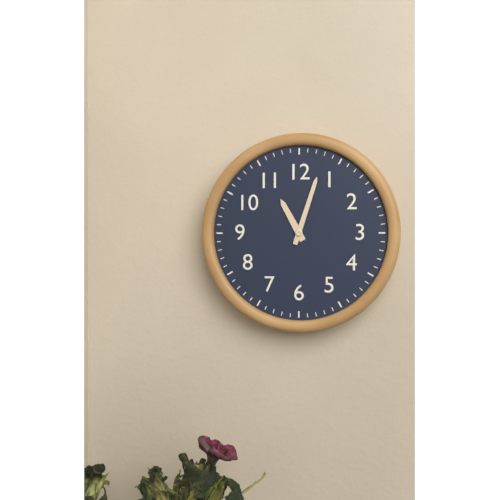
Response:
11h03
